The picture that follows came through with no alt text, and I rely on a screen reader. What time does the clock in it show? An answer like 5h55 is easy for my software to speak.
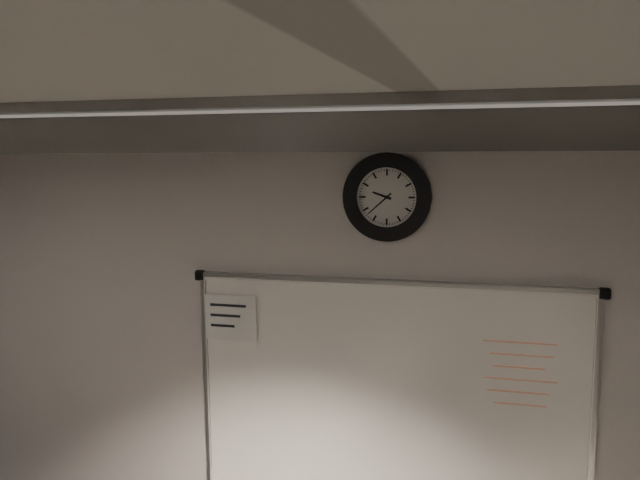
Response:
9h38
